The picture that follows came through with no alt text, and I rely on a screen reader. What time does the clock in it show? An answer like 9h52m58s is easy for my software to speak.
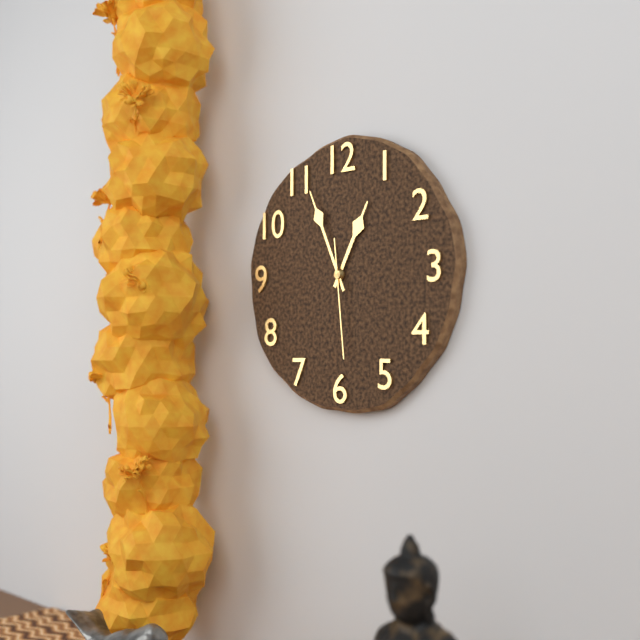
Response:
12h56m29s
